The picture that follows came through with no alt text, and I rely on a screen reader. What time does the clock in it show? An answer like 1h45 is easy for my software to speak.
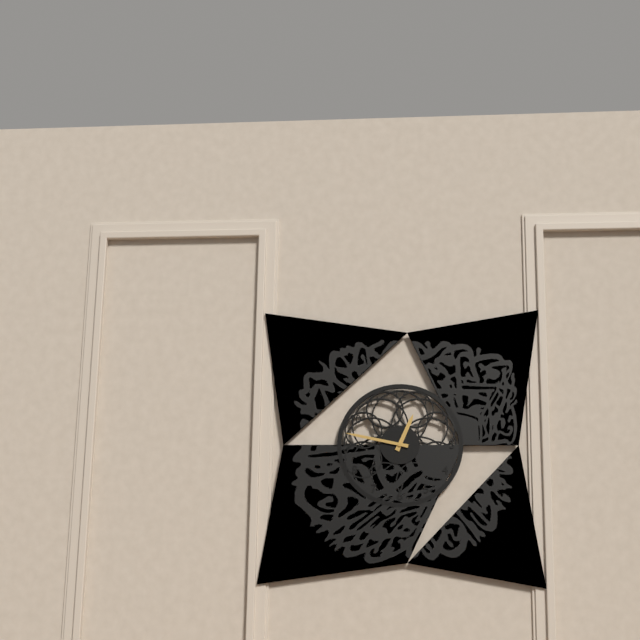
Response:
12h47
